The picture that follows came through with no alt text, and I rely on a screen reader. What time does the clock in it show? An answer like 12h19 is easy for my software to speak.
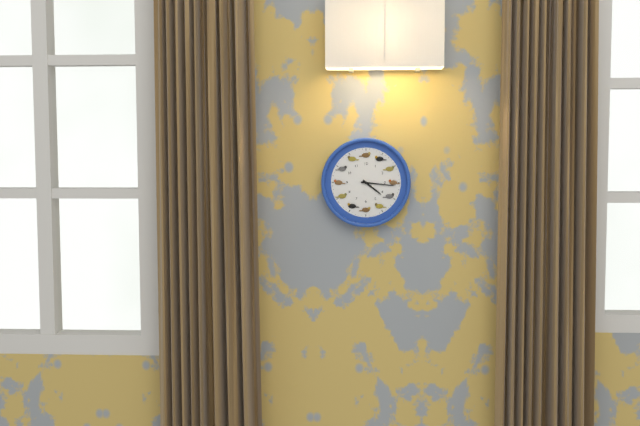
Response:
4h16
